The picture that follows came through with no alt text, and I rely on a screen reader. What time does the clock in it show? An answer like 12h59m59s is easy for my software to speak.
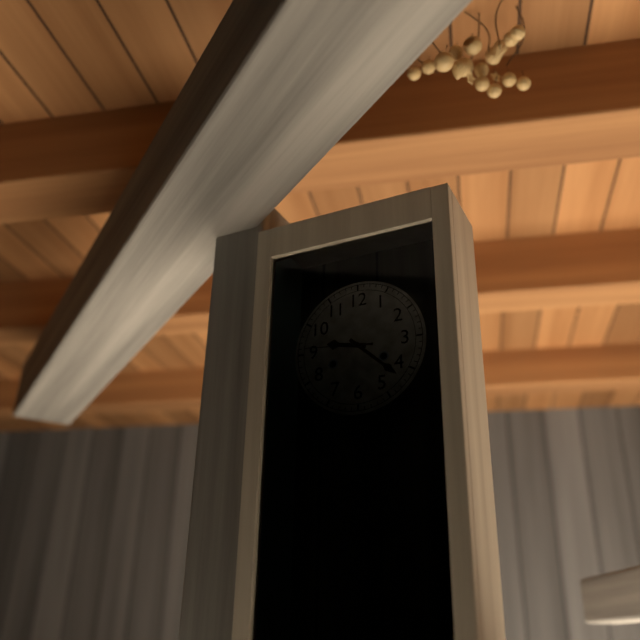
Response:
9h22m46s
